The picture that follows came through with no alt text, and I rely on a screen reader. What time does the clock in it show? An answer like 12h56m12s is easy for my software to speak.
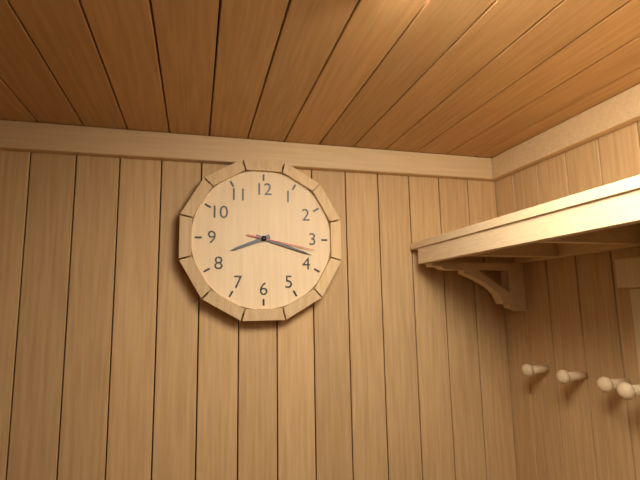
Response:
8h18m17s
